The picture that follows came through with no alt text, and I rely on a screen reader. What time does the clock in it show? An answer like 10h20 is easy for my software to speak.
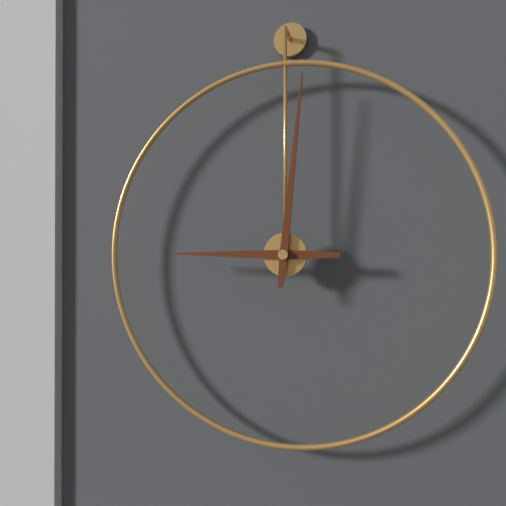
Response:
9h01
